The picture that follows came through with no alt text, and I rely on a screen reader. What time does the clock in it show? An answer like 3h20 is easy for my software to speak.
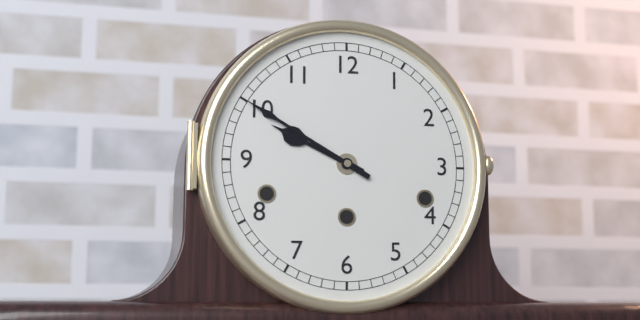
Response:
9h50
